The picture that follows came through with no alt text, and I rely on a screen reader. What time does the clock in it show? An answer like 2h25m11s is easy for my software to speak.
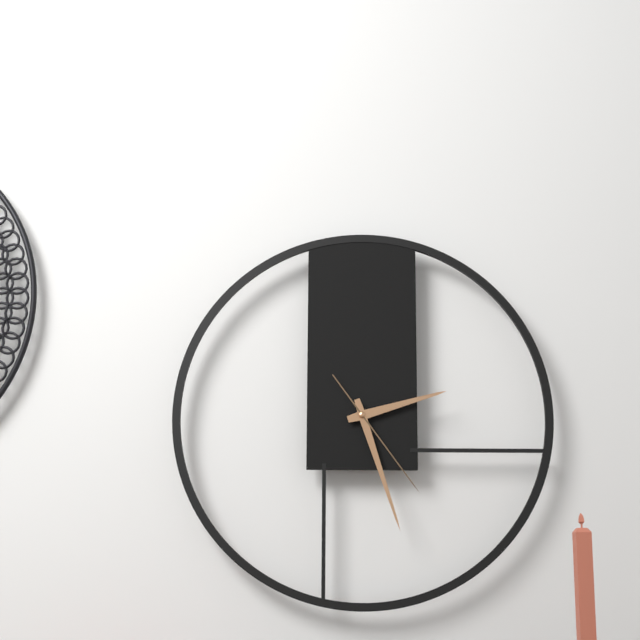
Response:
2h27m24s
